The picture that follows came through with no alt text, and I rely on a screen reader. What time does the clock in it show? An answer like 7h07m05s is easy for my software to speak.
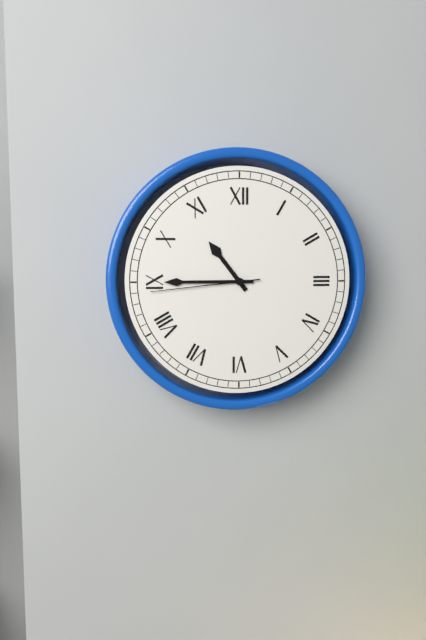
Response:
10h45m44s
